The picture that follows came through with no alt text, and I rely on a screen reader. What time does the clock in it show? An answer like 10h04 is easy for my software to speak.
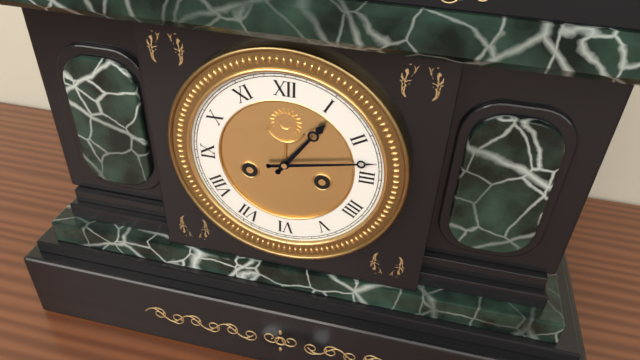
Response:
1h13
